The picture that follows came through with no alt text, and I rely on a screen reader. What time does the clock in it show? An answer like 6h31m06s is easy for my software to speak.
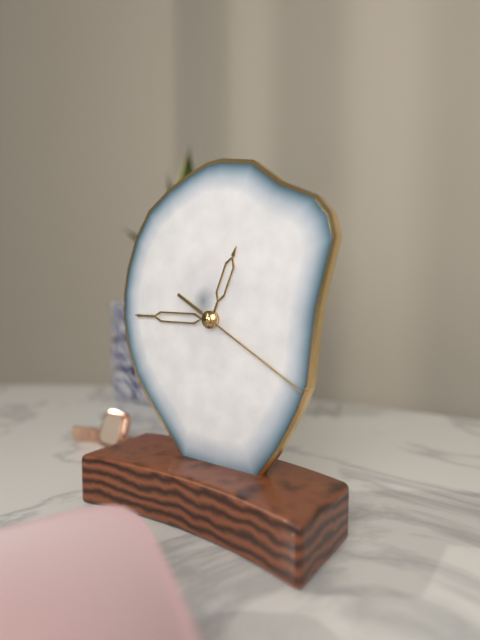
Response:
12h45m20s
